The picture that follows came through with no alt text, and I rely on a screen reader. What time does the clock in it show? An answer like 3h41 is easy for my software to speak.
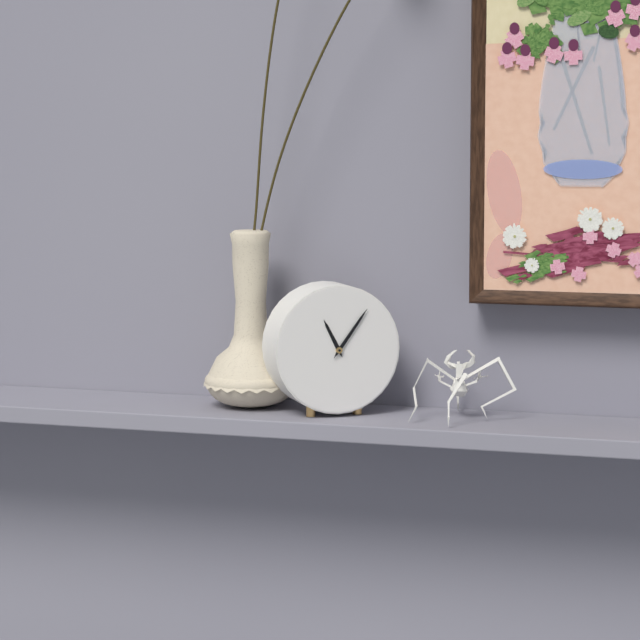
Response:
11h06
